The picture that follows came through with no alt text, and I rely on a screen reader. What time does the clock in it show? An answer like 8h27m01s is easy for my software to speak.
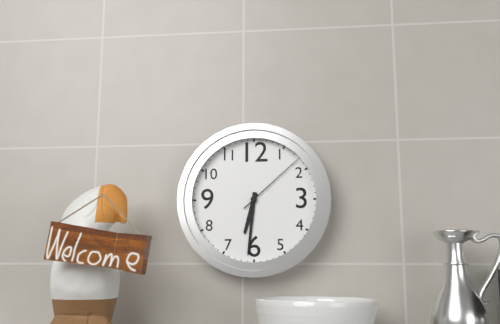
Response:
6h31m08s
